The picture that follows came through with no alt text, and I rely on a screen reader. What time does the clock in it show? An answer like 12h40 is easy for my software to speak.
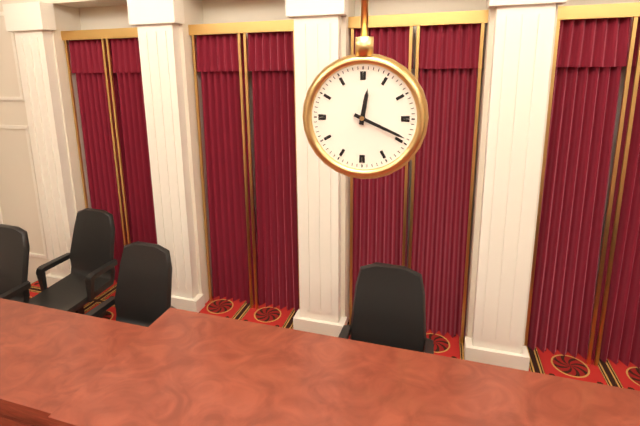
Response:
12h19
